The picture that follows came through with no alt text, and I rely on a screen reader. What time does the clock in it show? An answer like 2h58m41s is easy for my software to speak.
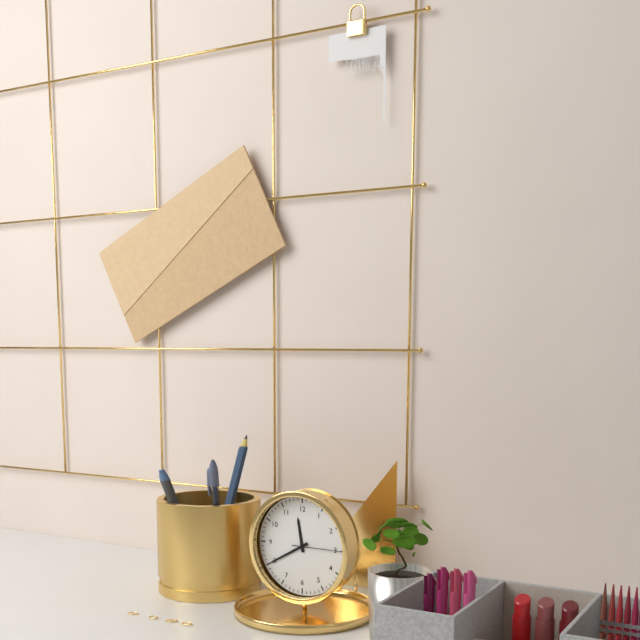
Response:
11h40m15s
